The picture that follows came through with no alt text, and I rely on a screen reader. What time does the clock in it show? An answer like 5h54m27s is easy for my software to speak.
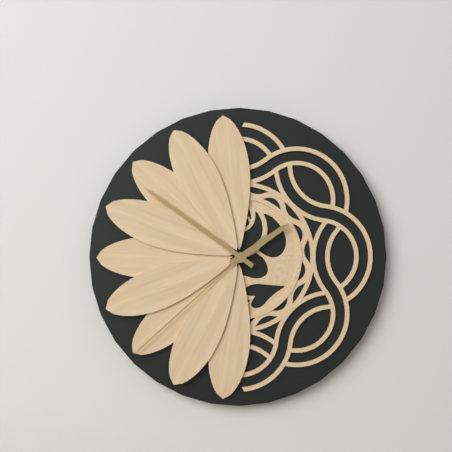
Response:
1h51m38s
